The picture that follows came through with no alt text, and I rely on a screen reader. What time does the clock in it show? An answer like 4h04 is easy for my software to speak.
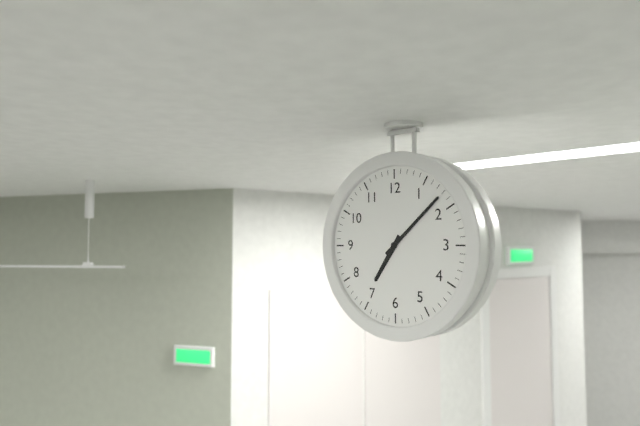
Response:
7h08
